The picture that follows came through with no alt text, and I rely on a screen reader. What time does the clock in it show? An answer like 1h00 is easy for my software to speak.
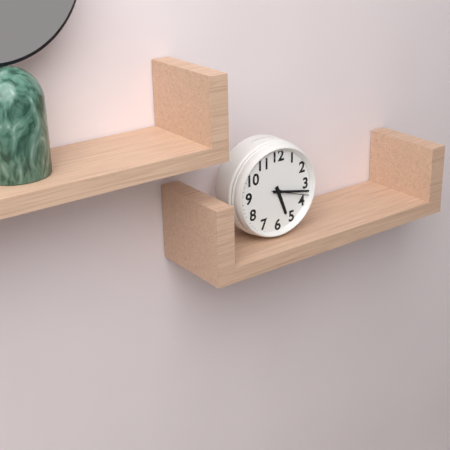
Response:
5h17
